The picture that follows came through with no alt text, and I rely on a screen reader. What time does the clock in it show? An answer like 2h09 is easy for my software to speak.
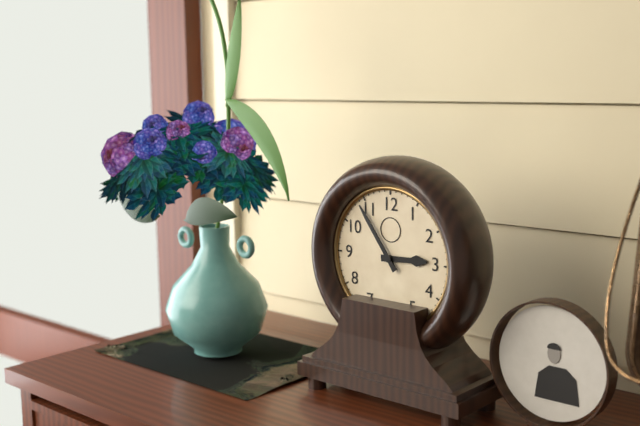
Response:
2h54
